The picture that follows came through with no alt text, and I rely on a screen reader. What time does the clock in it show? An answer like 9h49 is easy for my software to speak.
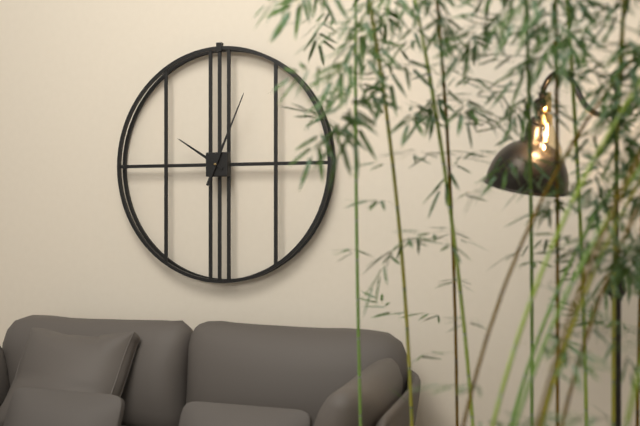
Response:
10h04
